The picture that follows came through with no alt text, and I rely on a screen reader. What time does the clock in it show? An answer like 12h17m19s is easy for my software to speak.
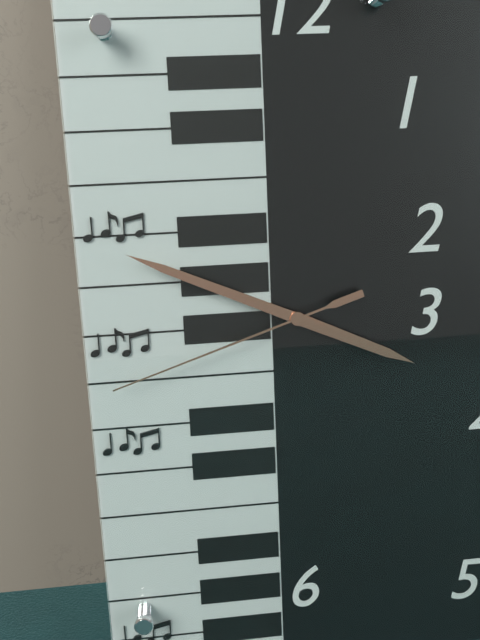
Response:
3h49m42s
